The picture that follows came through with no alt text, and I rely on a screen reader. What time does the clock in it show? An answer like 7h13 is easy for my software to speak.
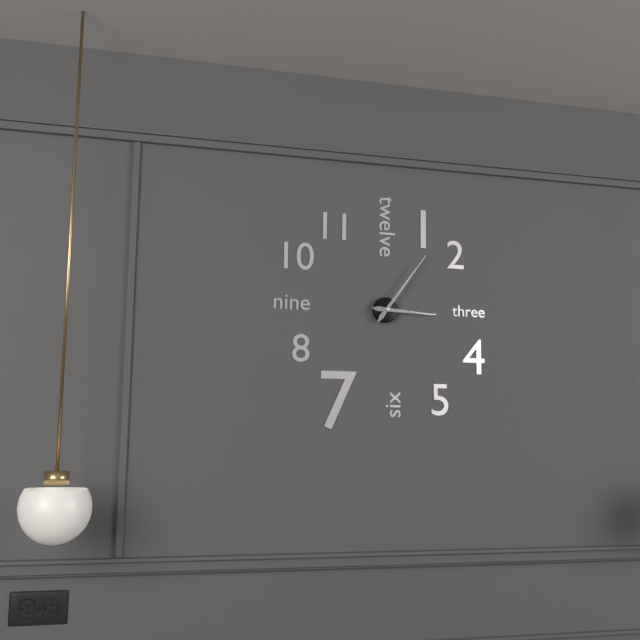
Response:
3h06
